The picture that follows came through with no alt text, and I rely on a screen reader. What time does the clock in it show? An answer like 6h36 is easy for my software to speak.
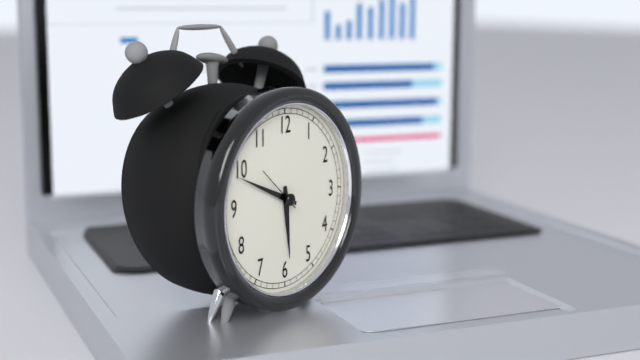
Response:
5h49
